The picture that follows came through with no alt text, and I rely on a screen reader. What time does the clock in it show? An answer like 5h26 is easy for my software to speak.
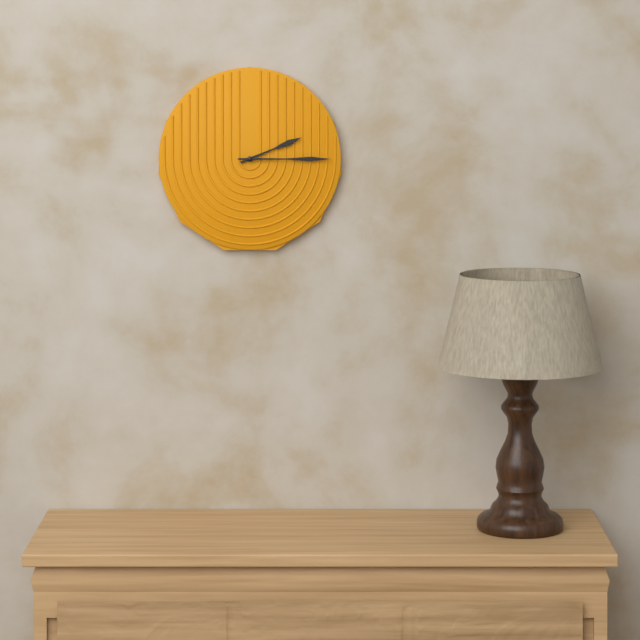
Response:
2h15
